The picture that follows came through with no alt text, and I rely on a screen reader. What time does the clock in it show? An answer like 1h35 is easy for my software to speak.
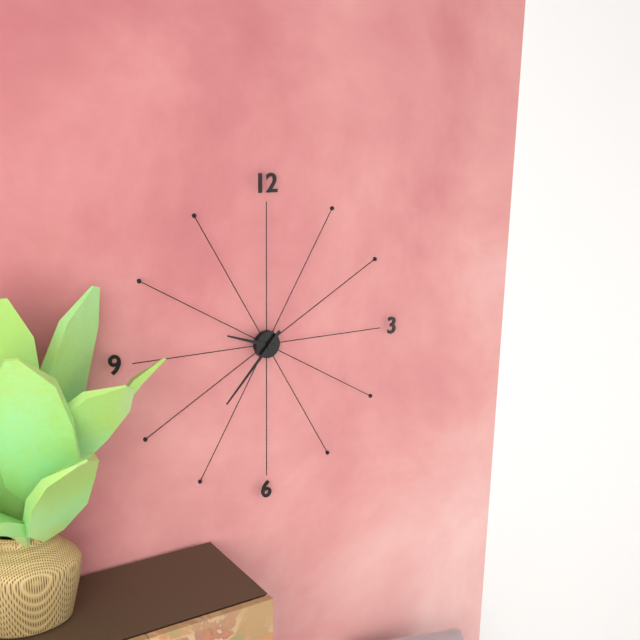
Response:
9h37
